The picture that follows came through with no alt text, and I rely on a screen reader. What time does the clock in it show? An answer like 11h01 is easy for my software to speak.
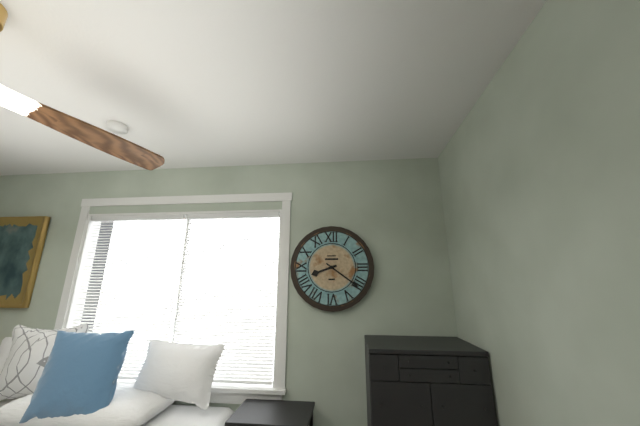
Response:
8h21
